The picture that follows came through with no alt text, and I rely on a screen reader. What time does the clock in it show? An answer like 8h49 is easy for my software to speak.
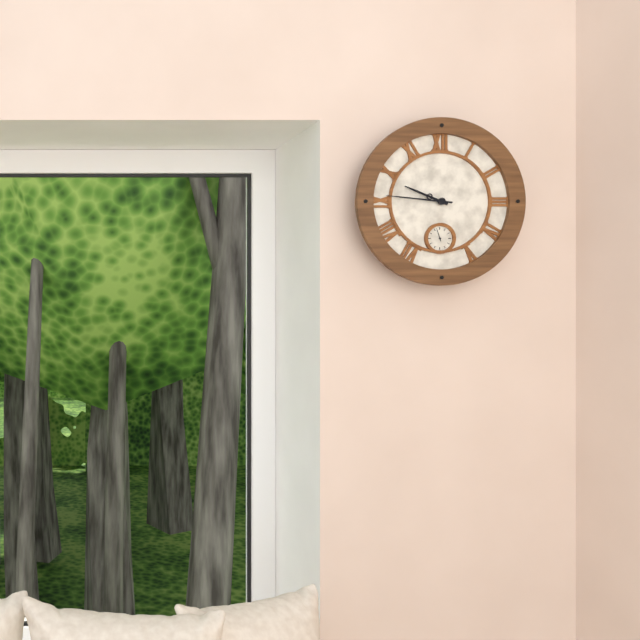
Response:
9h46
